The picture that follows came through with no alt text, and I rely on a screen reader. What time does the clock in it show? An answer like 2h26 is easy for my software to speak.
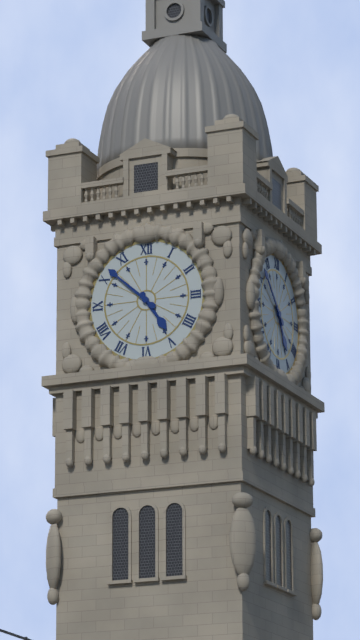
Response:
4h52
